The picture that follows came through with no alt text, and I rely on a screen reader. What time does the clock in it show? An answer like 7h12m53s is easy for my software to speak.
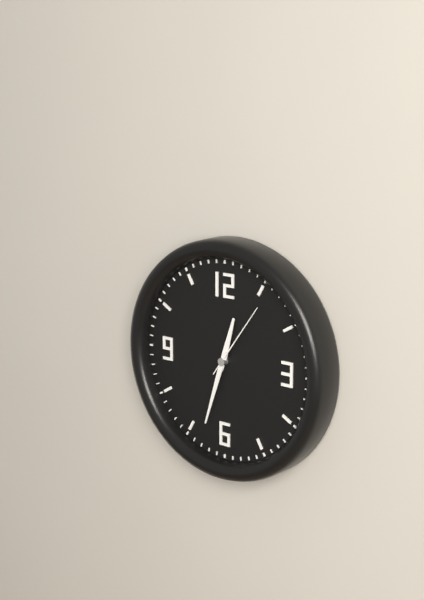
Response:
12h33m06s
